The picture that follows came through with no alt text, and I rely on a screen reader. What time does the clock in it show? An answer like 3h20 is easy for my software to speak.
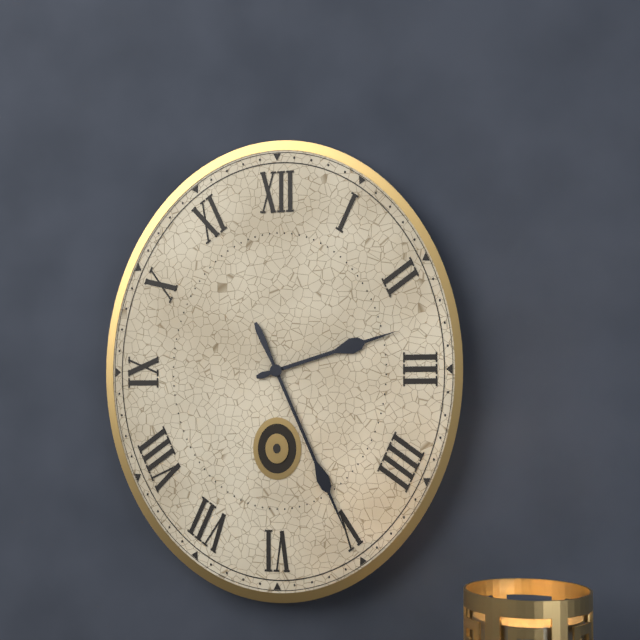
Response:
2h26
